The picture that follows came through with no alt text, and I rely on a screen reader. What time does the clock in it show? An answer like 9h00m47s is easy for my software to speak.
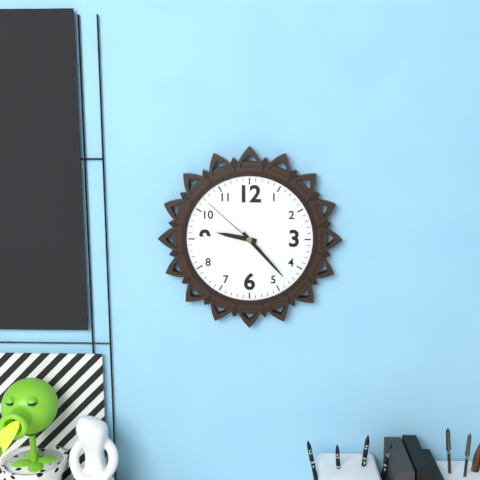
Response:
9h23m52s
